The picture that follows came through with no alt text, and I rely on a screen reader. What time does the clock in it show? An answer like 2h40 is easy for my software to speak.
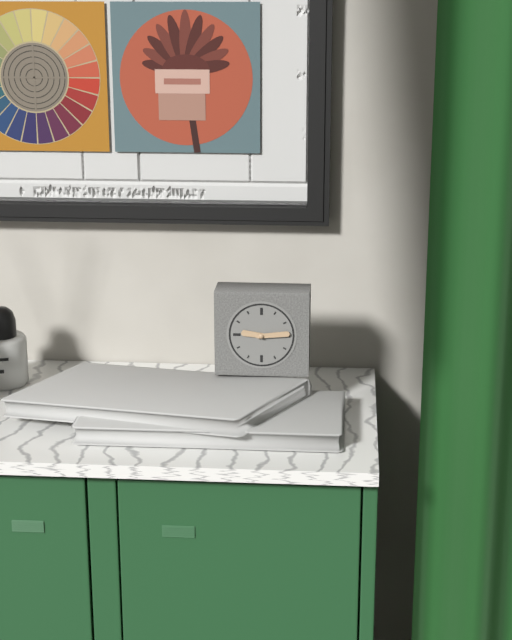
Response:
9h14
